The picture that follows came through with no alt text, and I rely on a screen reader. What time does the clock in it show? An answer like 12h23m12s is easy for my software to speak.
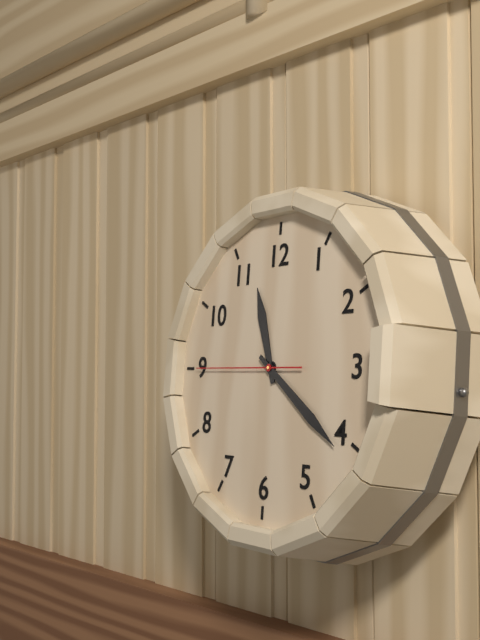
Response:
11h21m45s
